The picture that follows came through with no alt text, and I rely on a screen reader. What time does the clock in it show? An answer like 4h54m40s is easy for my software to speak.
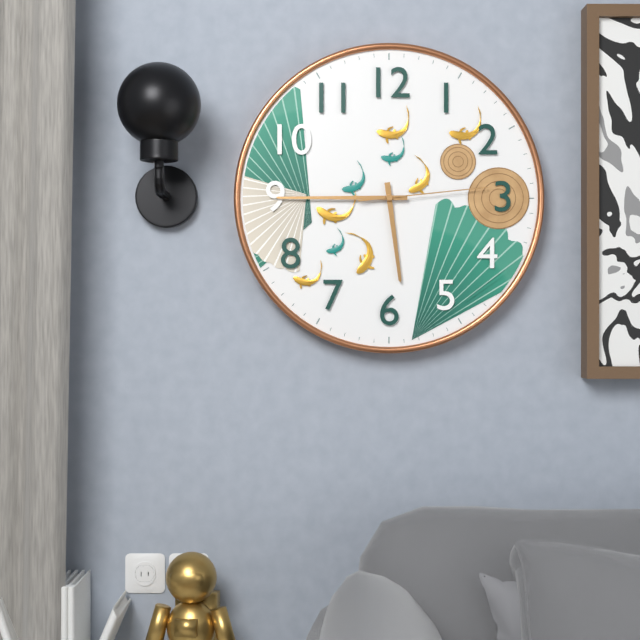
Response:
5h45m14s
